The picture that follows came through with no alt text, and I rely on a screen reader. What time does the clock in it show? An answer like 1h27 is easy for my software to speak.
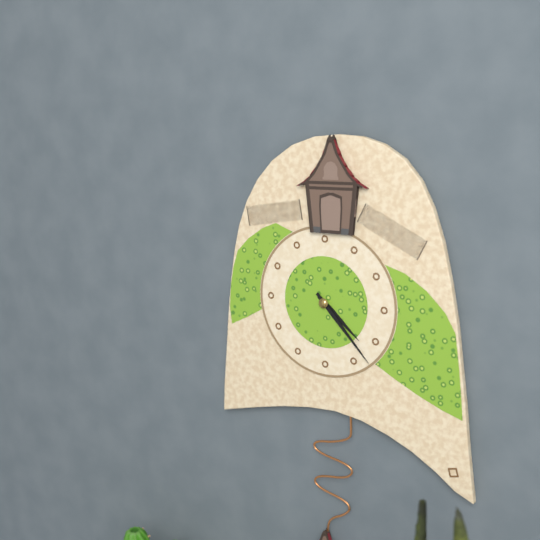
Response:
4h23
